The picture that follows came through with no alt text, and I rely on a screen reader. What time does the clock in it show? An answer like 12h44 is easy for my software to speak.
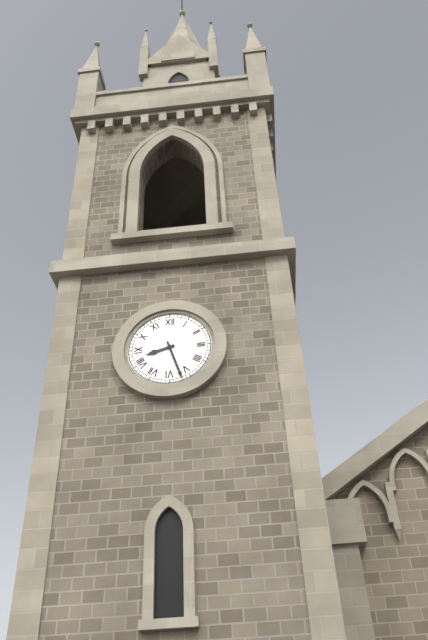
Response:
8h27
